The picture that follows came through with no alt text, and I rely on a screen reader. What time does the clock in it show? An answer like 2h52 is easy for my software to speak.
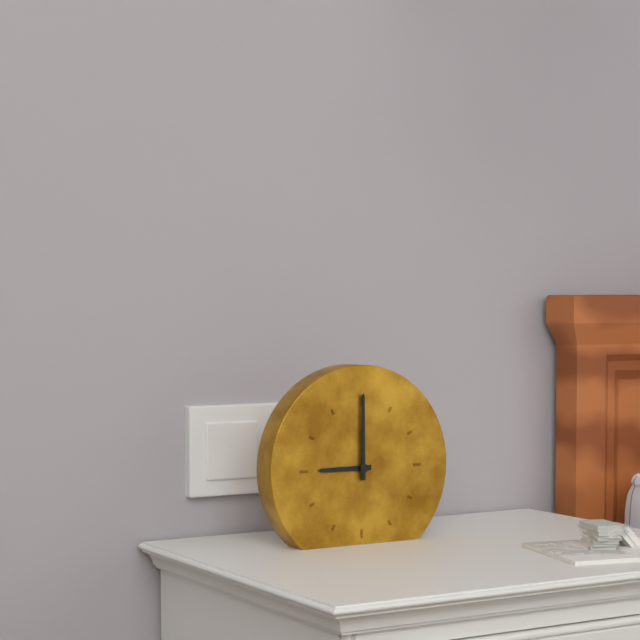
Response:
9h00
